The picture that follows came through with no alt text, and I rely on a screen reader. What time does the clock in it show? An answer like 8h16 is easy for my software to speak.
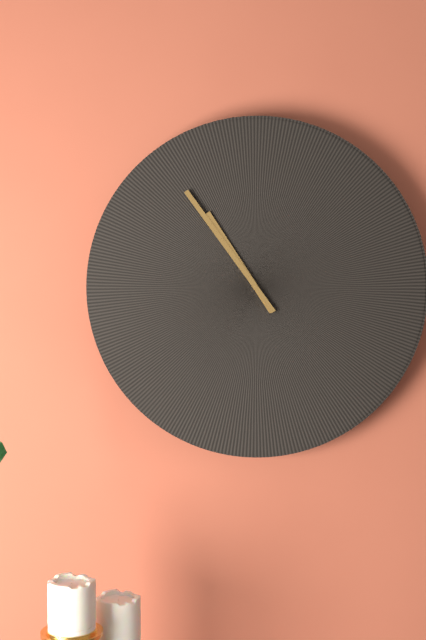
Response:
10h54
